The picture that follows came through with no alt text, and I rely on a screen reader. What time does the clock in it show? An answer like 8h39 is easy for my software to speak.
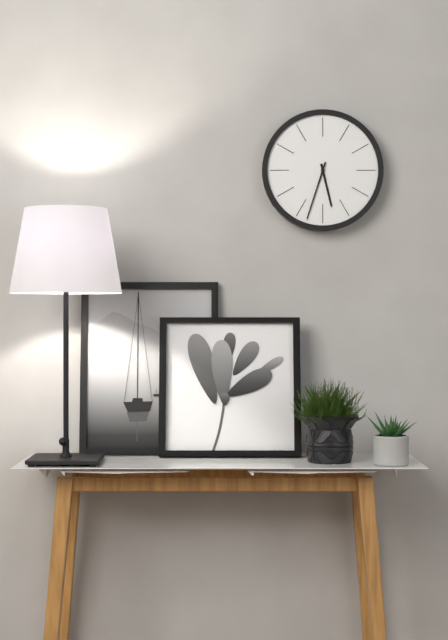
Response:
5h33
